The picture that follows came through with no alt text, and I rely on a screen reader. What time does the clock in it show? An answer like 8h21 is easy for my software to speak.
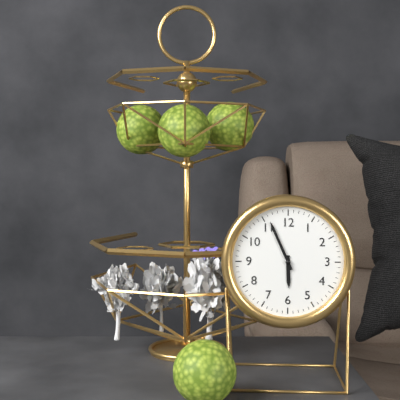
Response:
5h56
